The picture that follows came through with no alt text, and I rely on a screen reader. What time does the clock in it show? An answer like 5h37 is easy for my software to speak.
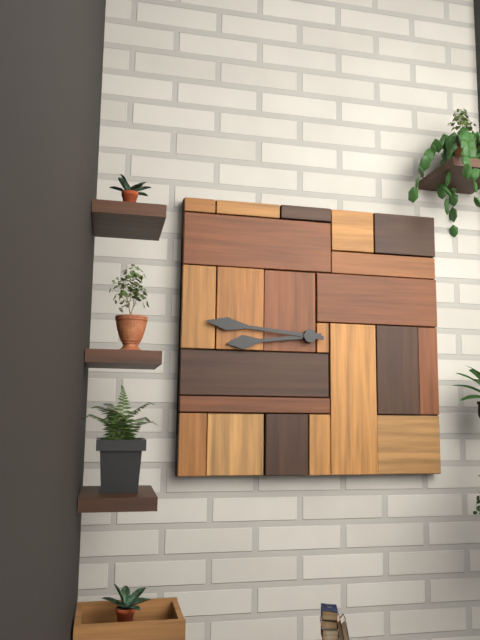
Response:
8h46
